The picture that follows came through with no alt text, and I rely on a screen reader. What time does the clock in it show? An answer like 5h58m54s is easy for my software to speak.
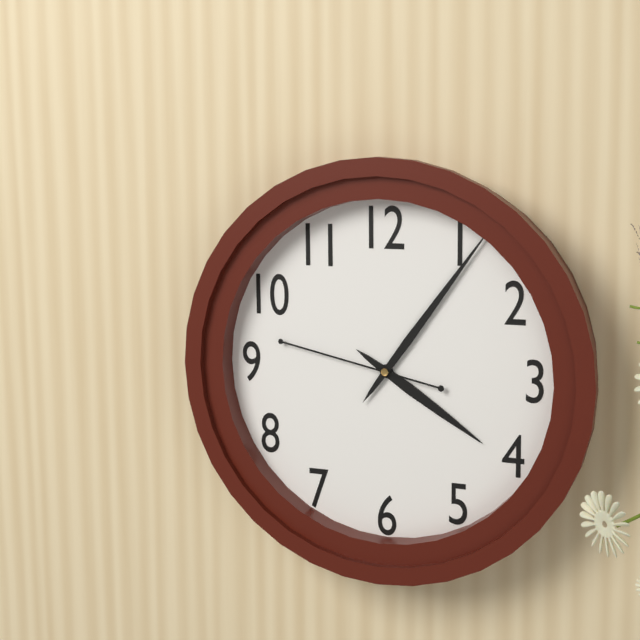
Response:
4h06m47s
